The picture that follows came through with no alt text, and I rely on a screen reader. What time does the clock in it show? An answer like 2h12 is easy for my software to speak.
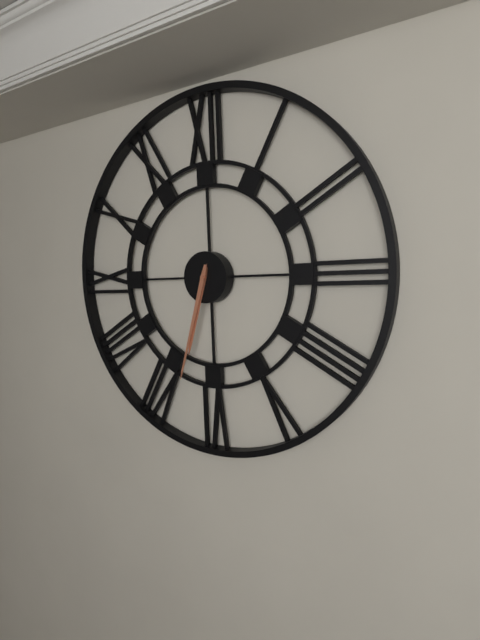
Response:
6h33
